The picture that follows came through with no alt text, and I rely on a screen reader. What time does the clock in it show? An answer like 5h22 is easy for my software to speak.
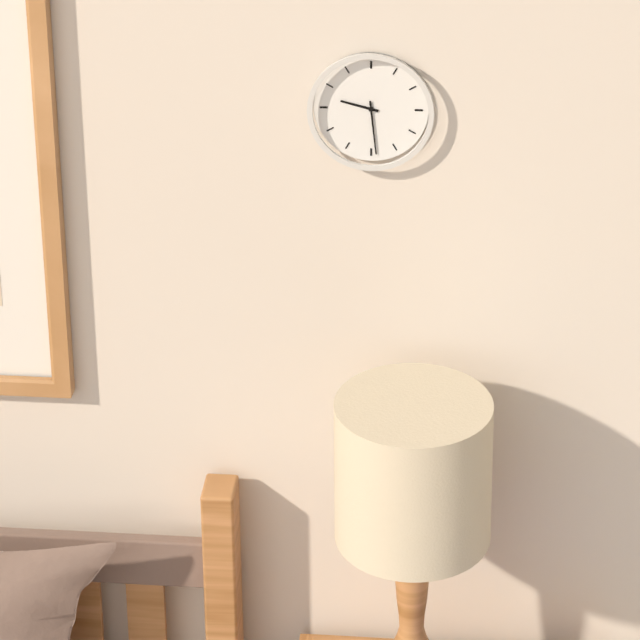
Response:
9h29
